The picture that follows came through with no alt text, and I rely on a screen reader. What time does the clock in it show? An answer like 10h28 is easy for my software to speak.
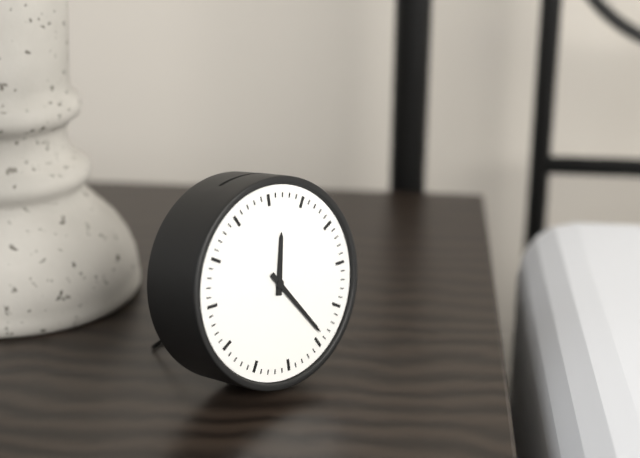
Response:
12h24
